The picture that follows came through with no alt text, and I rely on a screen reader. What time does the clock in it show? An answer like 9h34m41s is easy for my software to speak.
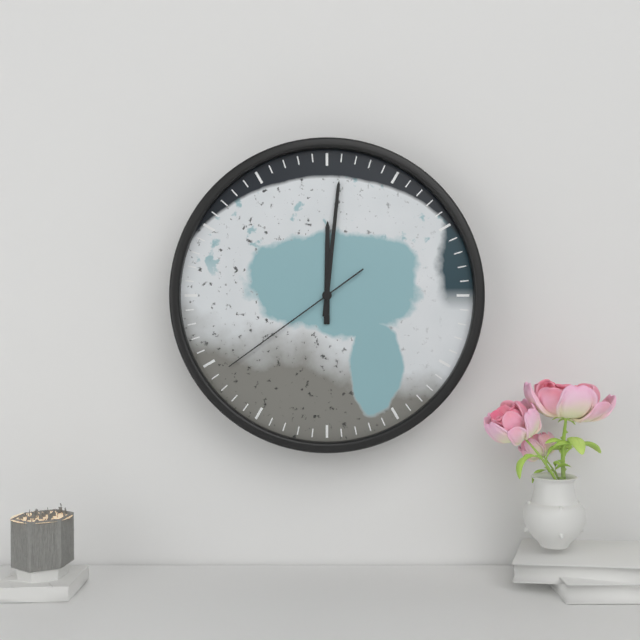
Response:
12h01m39s
